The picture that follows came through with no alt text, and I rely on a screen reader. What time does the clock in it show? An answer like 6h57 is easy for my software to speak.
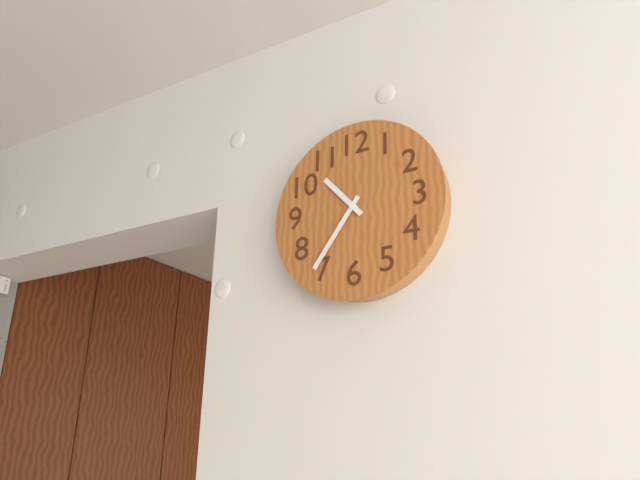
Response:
10h36
